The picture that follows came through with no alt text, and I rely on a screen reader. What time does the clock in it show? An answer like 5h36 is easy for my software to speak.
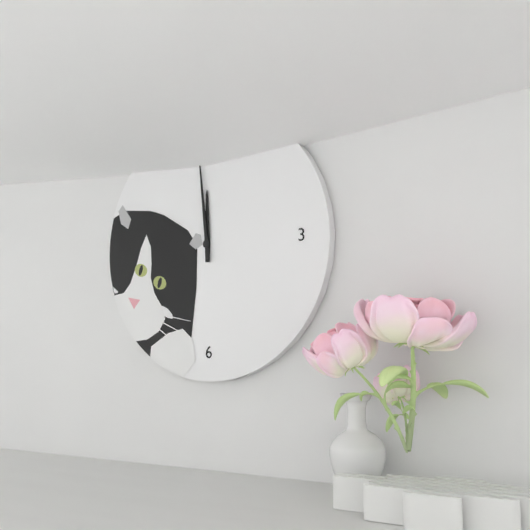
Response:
11h59
